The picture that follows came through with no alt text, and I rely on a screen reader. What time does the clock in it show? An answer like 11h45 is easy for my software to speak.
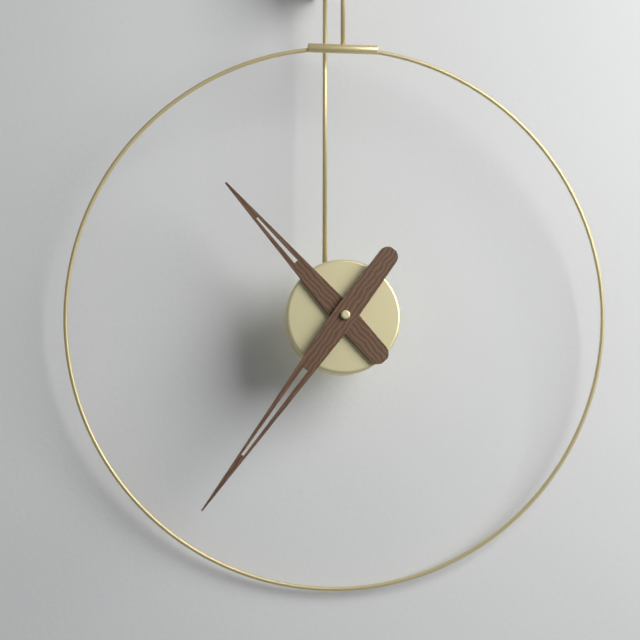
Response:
10h36
